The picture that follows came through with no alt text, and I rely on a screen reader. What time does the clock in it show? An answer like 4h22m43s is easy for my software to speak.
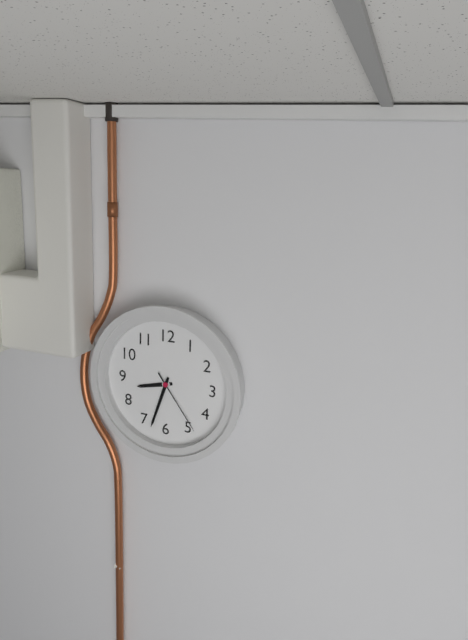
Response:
8h33m24s
